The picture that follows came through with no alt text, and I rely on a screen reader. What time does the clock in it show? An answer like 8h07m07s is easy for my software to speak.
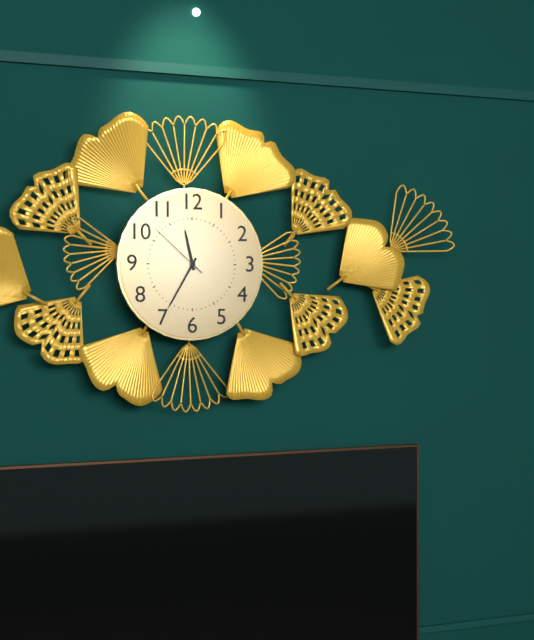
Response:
11h35m52s
